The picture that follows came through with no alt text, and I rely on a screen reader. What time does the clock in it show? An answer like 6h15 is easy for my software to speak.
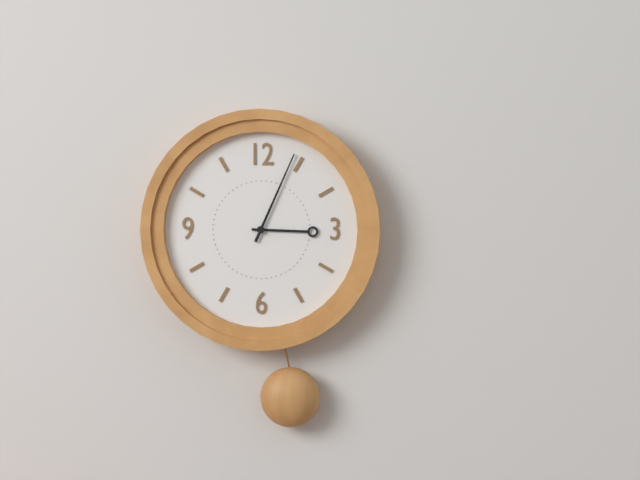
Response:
3h04
